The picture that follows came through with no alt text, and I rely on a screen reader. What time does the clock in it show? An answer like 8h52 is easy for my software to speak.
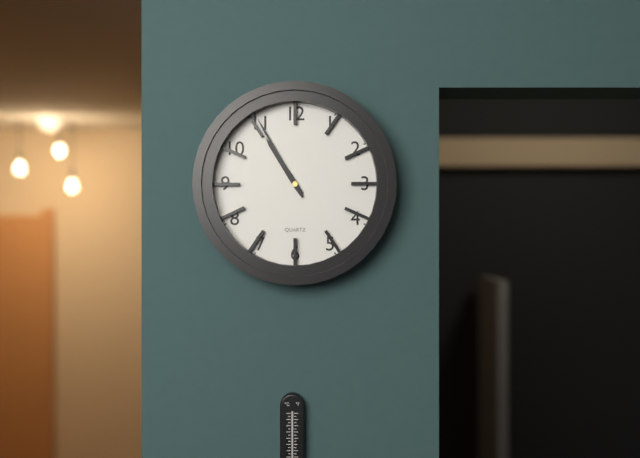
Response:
10h55
